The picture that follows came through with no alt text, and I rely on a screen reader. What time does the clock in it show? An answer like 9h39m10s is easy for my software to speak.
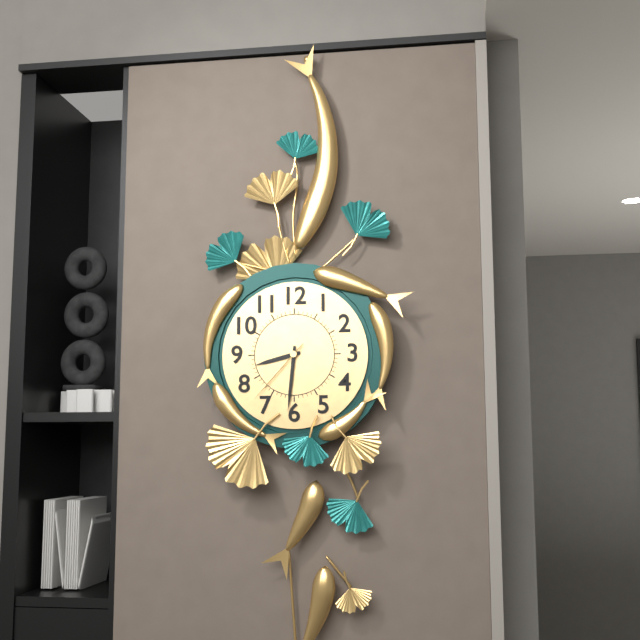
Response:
8h31m37s
